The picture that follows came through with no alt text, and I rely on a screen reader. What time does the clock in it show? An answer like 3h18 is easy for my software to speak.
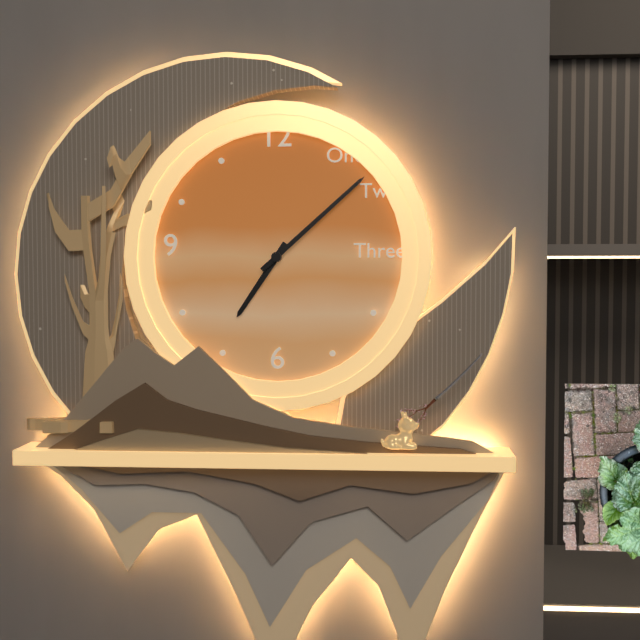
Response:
7h08
